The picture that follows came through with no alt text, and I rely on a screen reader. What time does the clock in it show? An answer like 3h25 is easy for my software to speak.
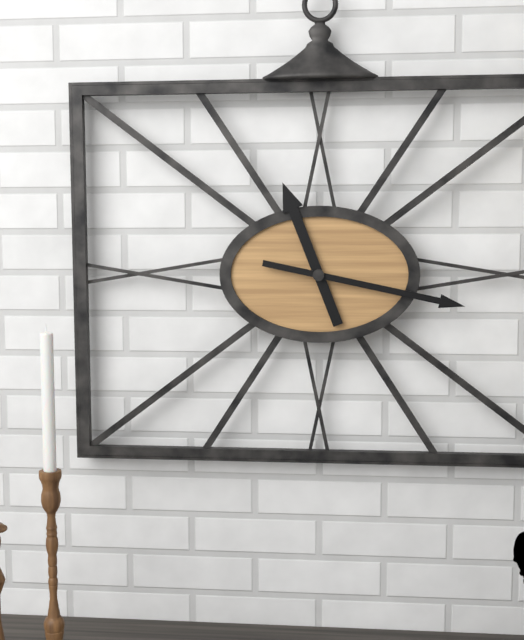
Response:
11h17
